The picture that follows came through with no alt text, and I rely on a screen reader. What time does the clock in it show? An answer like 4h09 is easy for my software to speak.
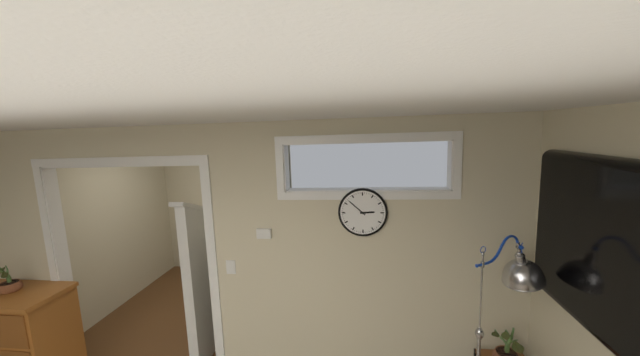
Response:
2h52
